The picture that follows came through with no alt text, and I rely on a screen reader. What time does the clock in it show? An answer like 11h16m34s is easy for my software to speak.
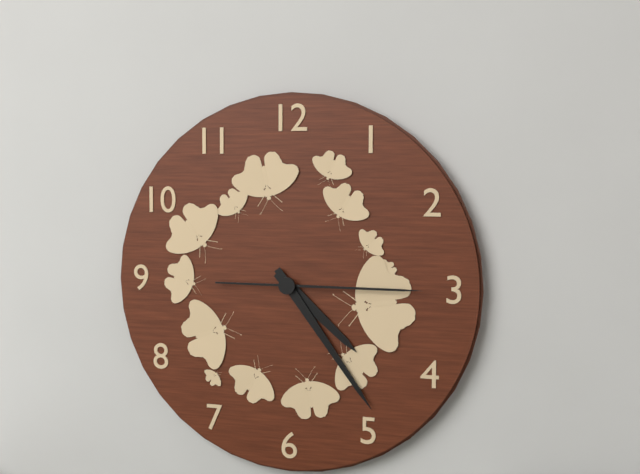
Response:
4h24m15s
